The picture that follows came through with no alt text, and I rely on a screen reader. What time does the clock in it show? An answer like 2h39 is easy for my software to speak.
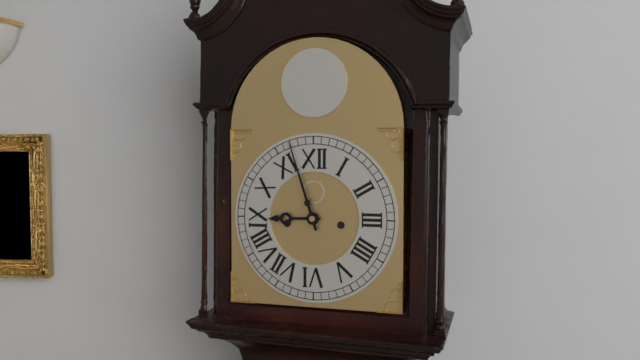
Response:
8h57
